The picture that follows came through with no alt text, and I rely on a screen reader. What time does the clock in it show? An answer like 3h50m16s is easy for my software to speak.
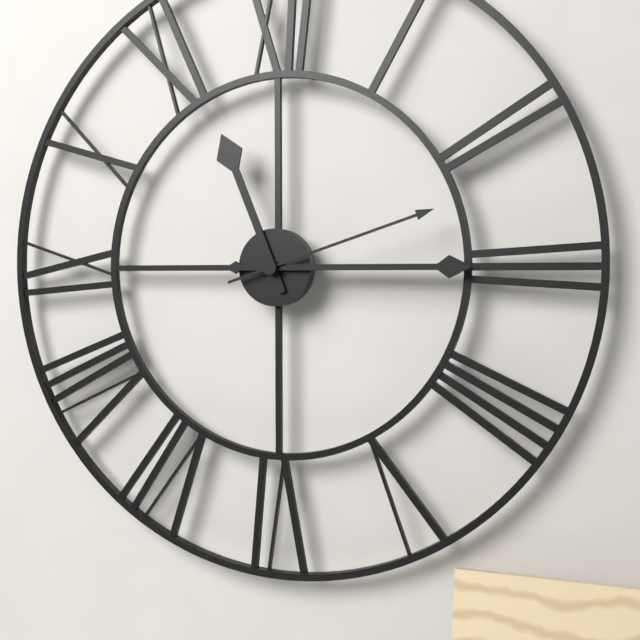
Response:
11h15m12s
